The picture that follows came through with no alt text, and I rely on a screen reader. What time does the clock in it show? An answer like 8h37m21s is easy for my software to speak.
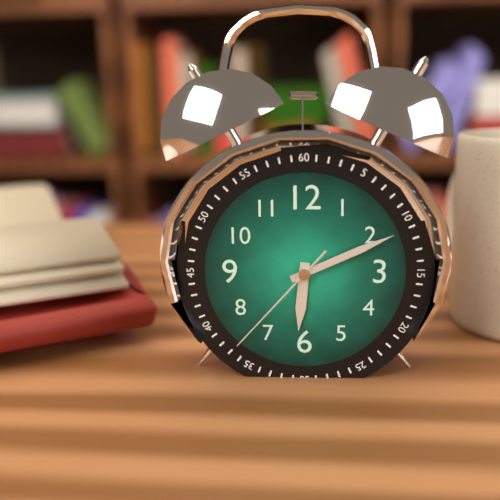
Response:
6h11m37s
